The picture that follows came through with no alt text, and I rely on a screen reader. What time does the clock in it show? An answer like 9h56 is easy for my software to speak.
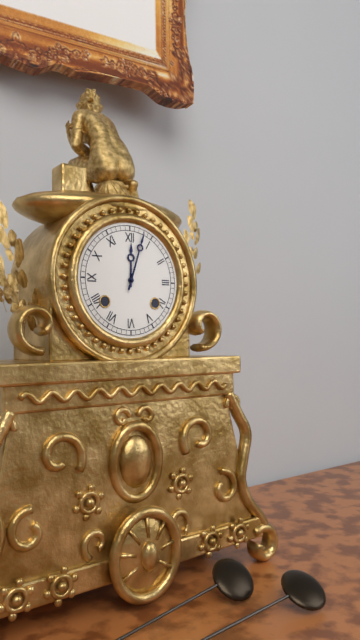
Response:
12h03
